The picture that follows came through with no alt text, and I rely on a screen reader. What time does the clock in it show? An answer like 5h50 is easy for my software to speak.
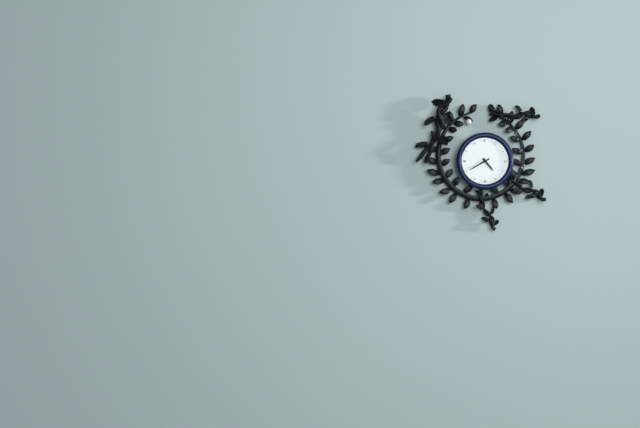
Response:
4h40
